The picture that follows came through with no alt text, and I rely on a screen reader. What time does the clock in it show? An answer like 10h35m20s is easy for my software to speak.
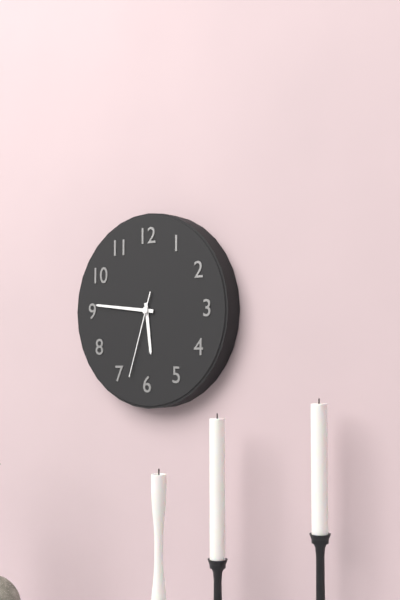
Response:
5h46m33s
